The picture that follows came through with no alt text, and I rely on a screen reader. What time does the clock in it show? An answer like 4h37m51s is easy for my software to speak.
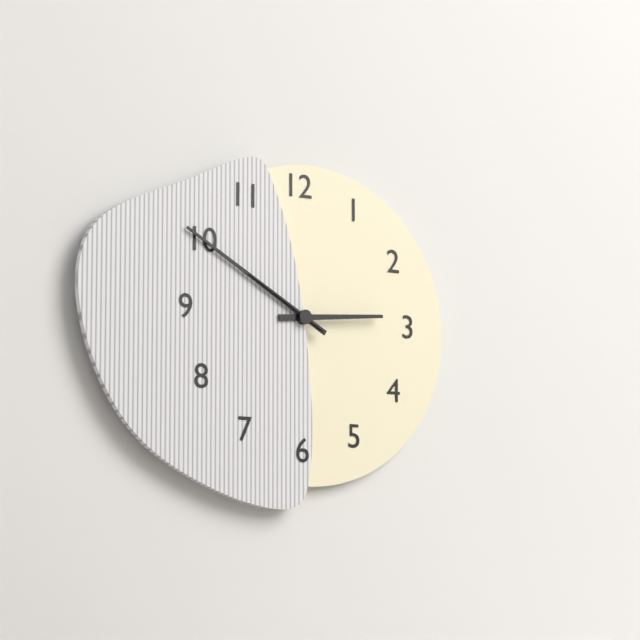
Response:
2h50m50s
